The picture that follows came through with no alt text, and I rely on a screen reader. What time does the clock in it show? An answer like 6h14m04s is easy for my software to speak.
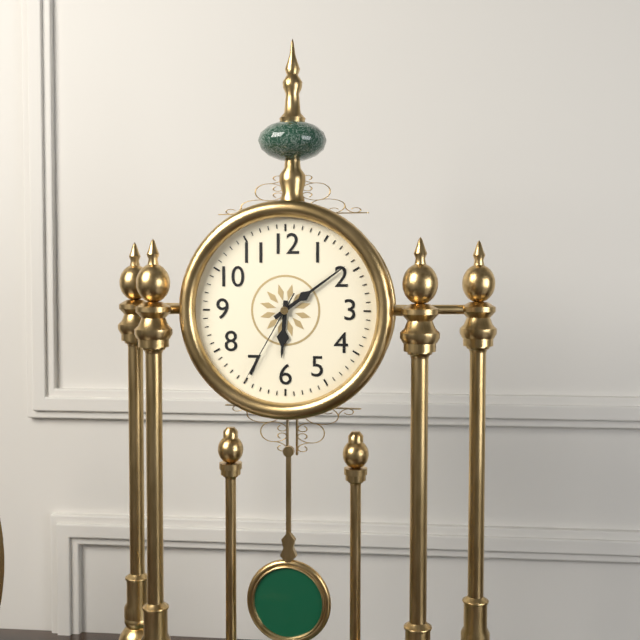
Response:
6h09m35s
